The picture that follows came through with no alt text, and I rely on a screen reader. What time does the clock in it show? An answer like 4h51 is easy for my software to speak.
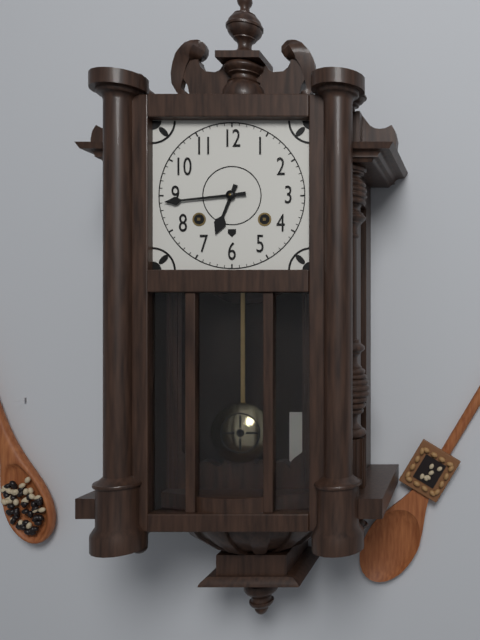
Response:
6h44
